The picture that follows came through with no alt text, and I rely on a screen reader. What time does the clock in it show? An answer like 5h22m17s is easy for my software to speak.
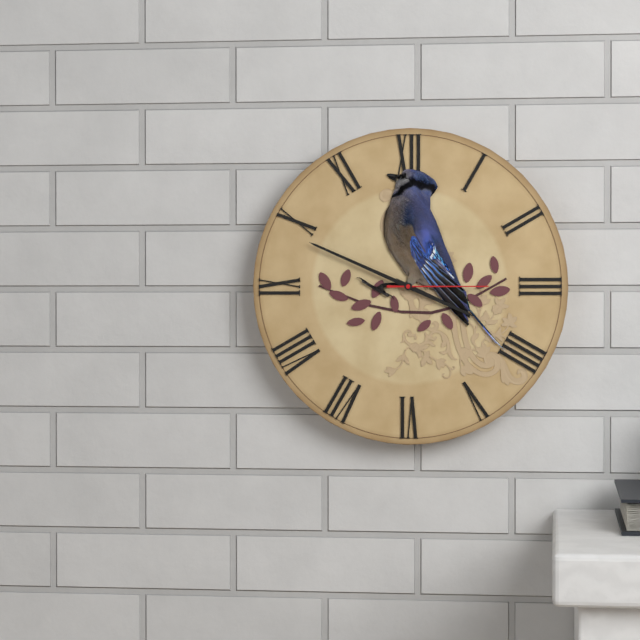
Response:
3h49m15s
